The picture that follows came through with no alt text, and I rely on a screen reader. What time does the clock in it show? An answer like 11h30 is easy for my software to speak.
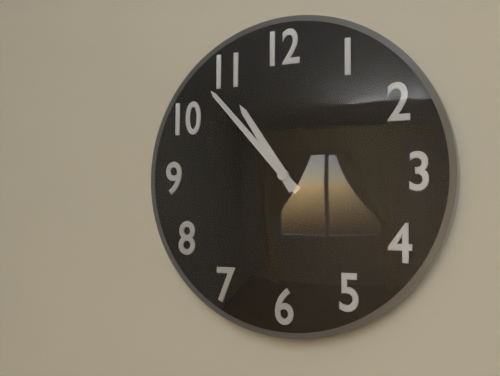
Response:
10h53
